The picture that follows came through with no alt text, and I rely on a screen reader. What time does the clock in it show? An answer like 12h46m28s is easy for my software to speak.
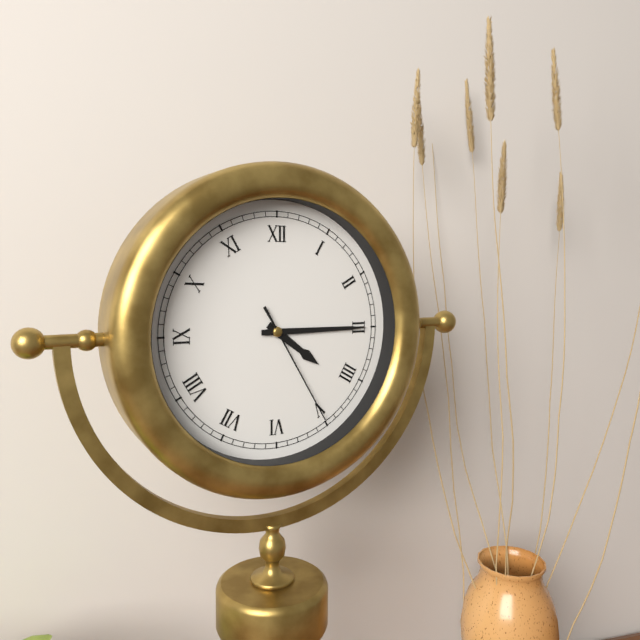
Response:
4h15m25s
